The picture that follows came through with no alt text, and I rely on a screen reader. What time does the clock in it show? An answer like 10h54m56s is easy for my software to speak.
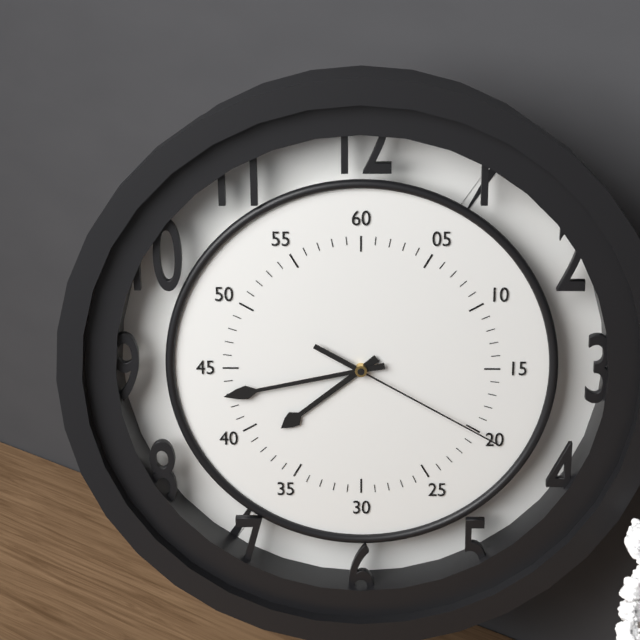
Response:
7h43m20s
